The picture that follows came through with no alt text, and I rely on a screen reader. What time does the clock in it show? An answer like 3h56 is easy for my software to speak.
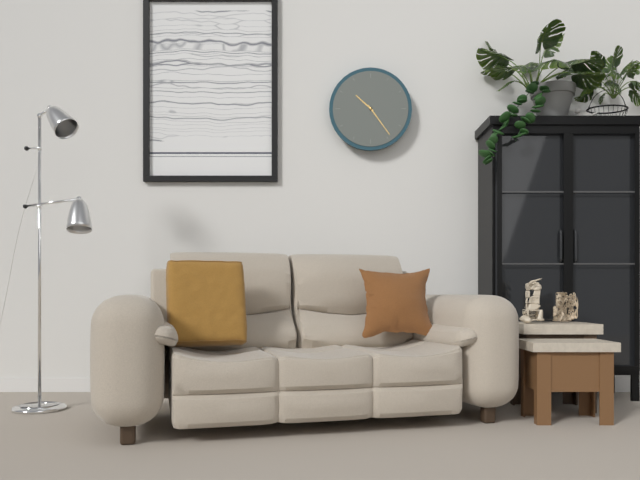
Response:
10h24
